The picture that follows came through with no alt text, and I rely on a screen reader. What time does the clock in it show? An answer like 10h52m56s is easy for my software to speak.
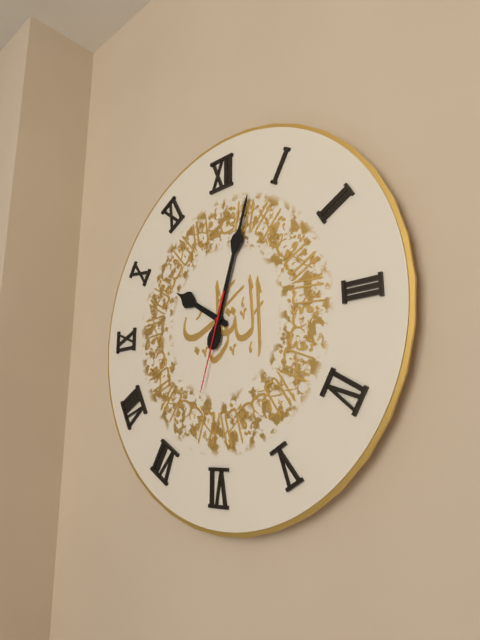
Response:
10h03m33s
